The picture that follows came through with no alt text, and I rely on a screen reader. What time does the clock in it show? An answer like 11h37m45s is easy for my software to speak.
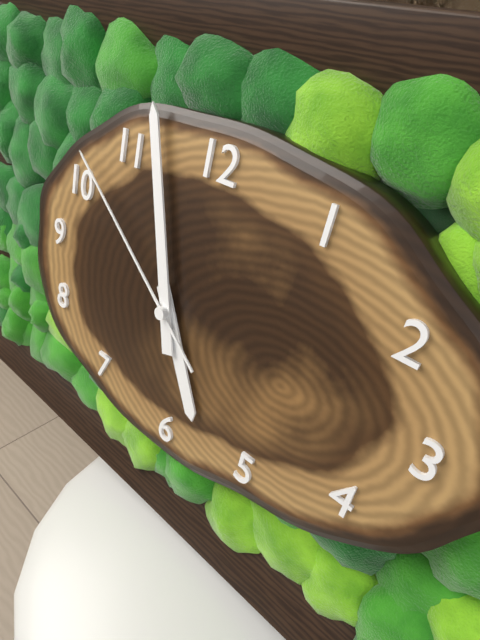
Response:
4h57m51s
